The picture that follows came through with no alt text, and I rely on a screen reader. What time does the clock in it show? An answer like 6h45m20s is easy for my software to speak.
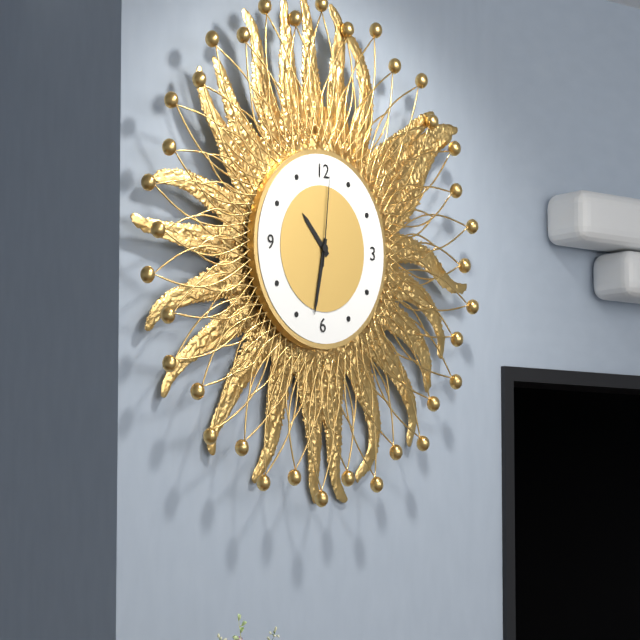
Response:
10h32m01s
